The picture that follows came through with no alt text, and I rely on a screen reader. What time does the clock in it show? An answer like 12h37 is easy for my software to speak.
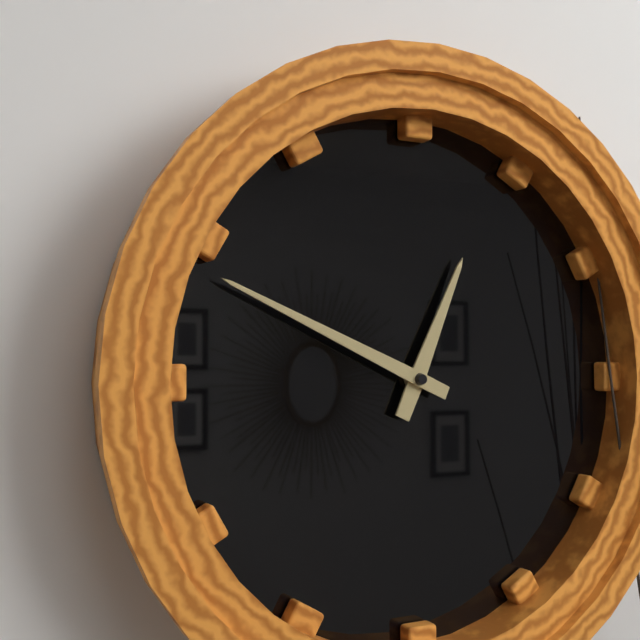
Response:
12h49
